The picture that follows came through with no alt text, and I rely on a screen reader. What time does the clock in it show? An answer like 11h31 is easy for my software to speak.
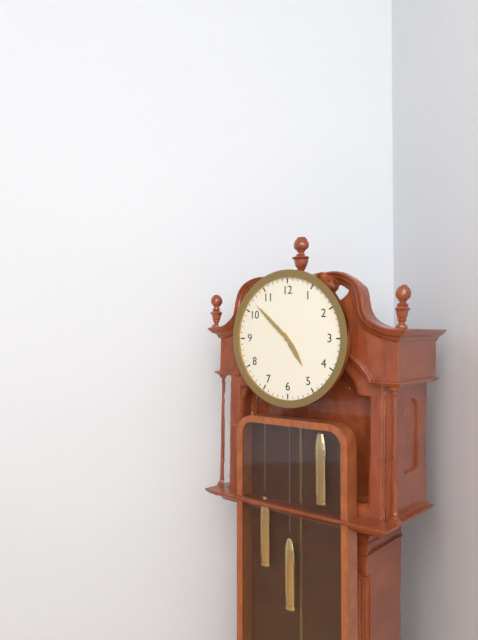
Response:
4h52
